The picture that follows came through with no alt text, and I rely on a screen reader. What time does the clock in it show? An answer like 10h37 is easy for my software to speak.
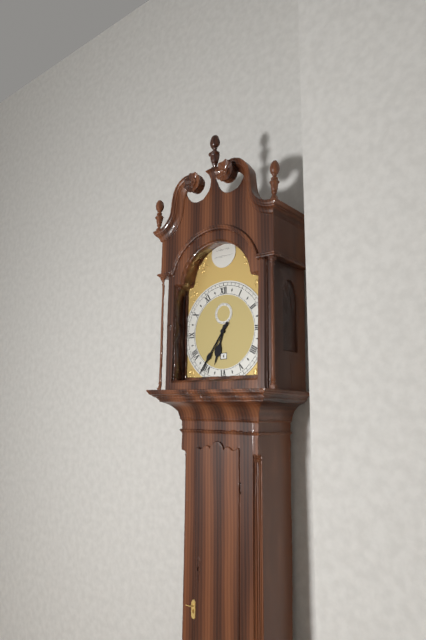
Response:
6h36
